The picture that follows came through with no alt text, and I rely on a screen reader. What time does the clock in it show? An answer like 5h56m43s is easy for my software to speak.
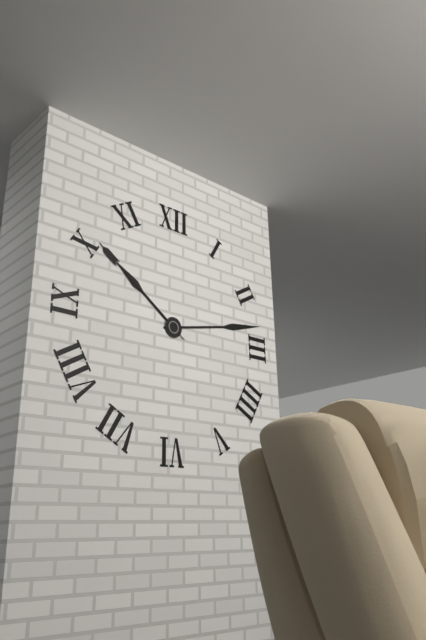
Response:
10h13m51s
